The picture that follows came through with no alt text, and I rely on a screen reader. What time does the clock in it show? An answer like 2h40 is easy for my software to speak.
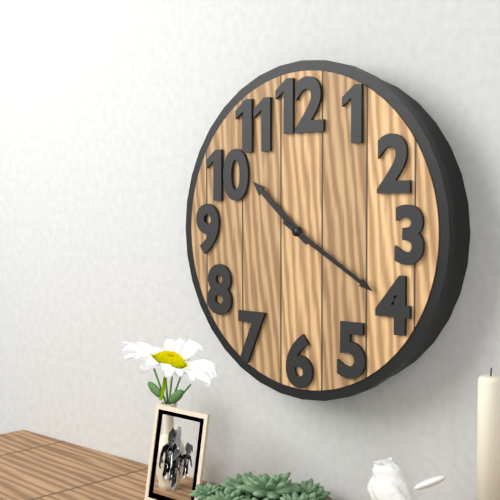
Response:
10h20
